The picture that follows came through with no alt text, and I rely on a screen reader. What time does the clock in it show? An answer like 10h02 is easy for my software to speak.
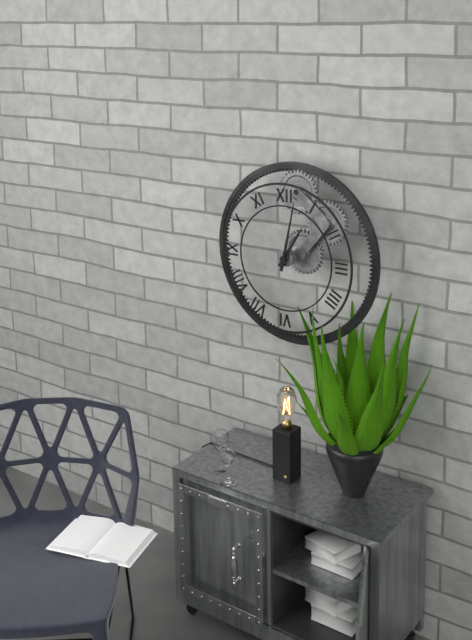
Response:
1h02
